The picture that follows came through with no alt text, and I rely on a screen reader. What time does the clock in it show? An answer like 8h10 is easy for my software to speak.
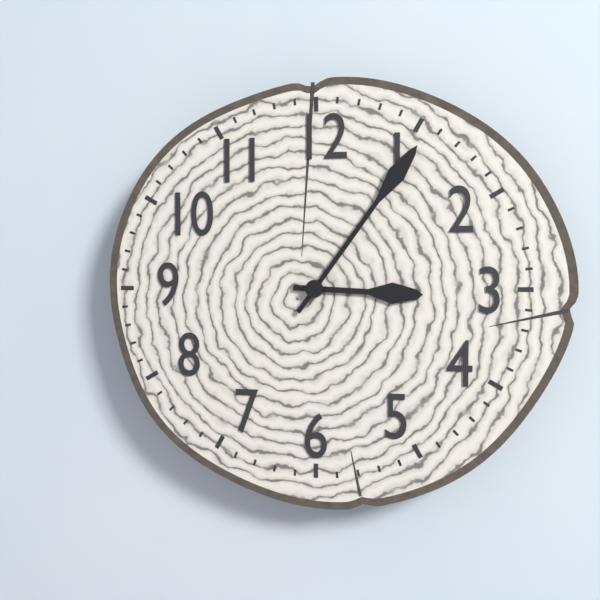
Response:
3h06
